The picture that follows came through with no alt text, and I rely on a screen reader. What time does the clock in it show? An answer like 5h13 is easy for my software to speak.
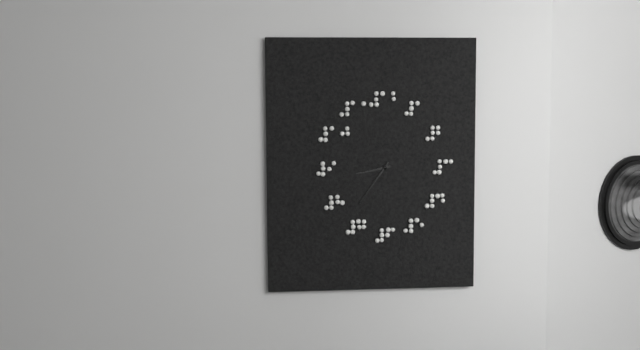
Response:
8h36
